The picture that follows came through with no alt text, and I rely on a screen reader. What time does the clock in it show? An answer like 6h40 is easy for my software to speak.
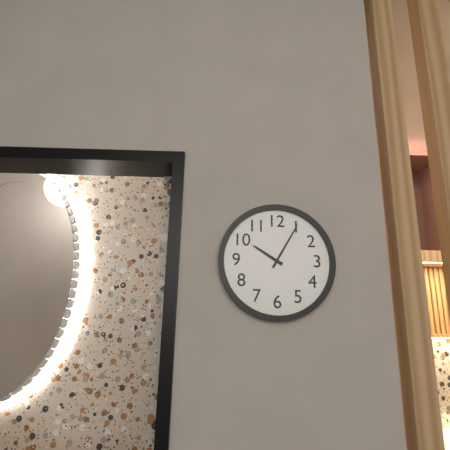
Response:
10h05
